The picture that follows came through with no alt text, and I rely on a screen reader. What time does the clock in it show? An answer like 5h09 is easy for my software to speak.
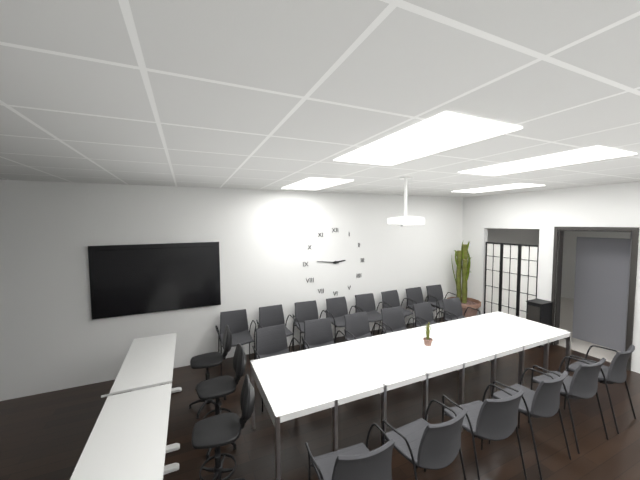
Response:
2h46
